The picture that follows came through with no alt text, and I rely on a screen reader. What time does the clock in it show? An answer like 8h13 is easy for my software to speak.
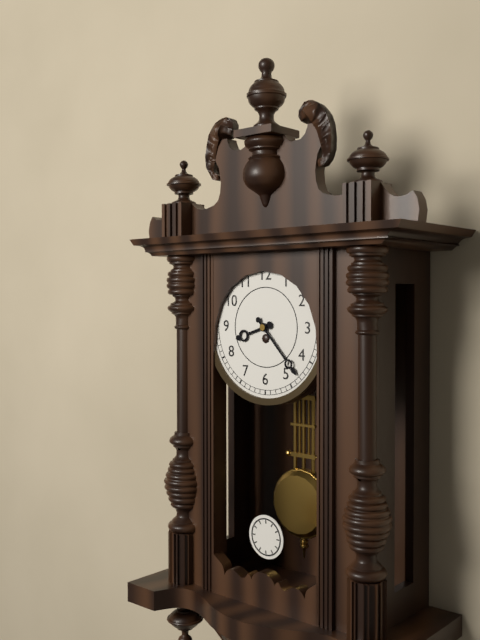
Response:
8h23
